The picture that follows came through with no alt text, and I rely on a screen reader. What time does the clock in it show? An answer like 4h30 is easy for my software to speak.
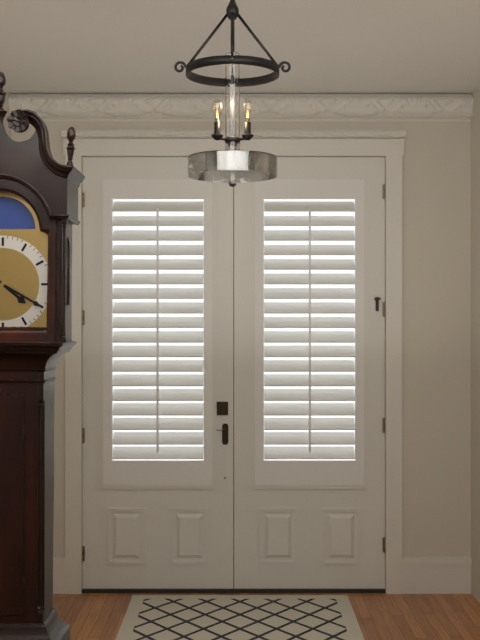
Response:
4h20
